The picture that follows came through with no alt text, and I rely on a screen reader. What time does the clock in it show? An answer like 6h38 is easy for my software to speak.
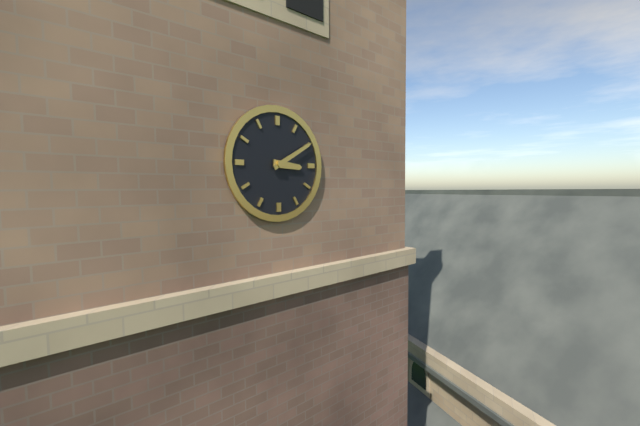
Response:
3h10
